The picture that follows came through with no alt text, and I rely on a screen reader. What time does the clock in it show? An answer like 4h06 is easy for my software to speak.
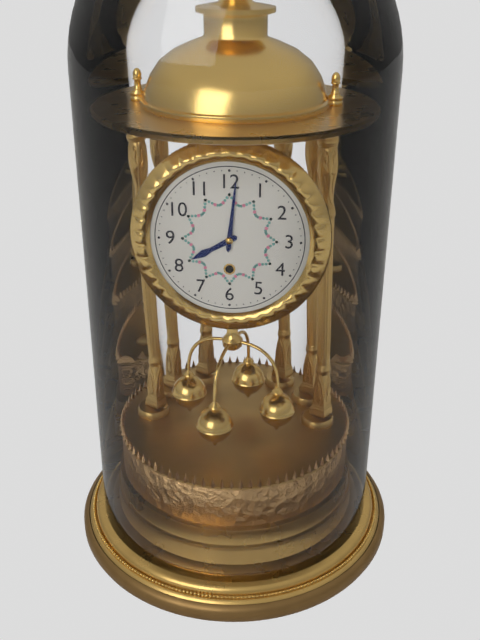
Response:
8h01
